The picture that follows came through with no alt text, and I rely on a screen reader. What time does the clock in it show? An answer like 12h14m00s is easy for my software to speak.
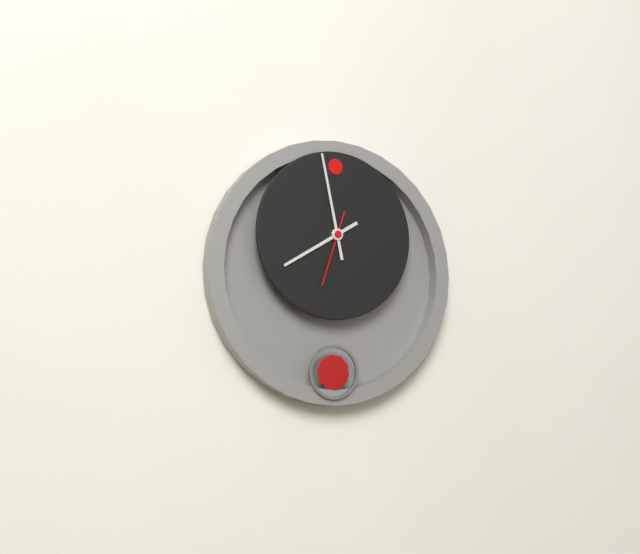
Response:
7h58m33s
